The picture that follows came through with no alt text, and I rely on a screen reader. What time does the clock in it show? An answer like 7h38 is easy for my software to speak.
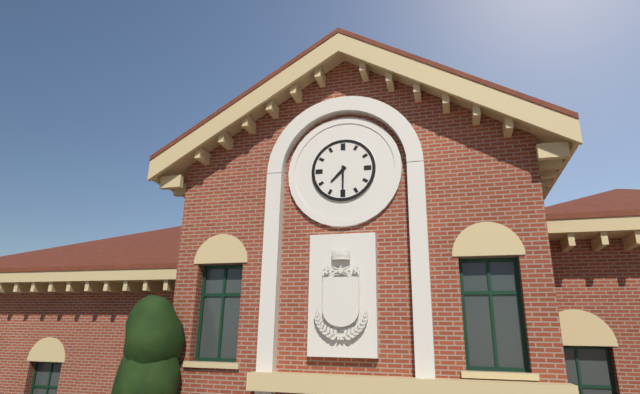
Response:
7h30
